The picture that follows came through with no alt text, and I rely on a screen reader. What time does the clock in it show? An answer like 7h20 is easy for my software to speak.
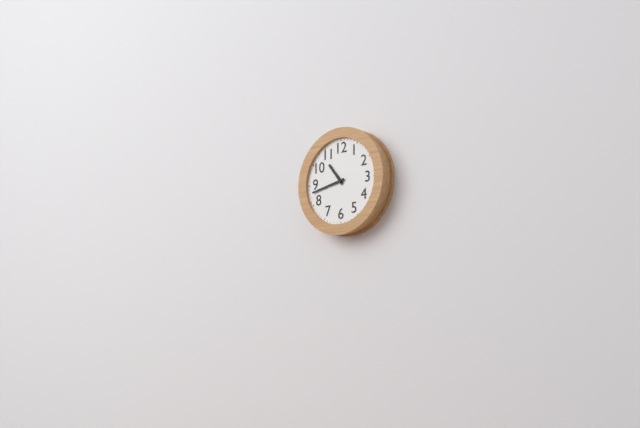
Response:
10h43
